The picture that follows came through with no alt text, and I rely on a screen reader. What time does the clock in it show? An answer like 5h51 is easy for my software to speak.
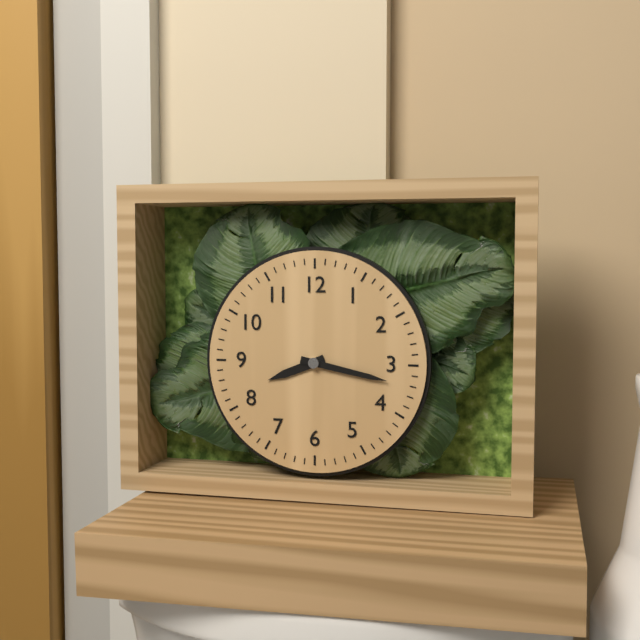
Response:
8h17
